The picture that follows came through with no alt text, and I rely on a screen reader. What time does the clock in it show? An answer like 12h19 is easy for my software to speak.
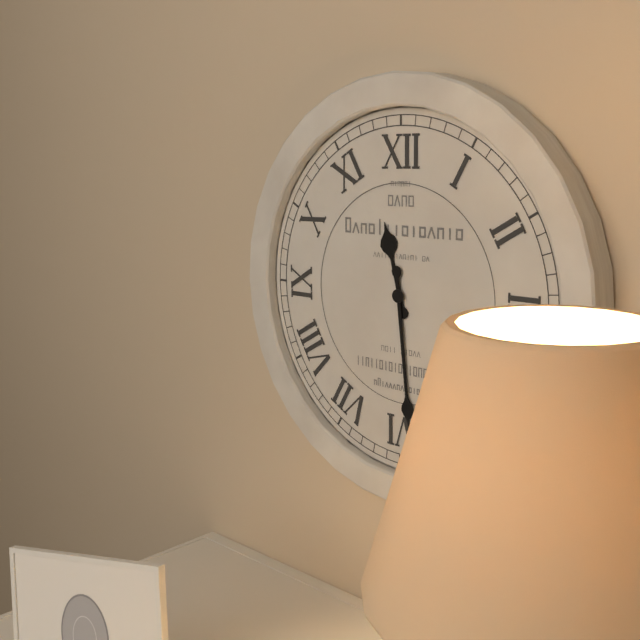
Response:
11h29
